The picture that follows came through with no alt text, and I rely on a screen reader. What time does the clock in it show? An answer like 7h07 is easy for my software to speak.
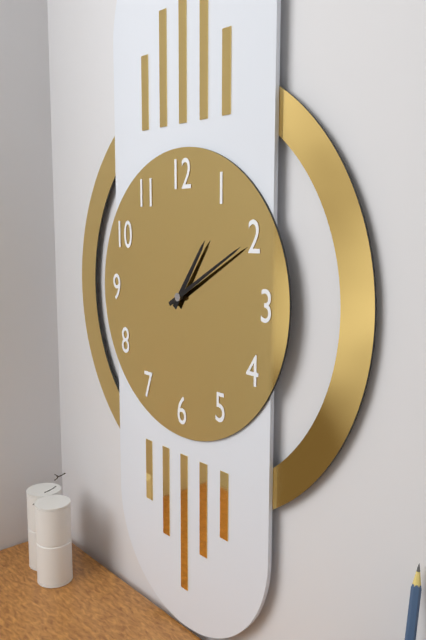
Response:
1h10
